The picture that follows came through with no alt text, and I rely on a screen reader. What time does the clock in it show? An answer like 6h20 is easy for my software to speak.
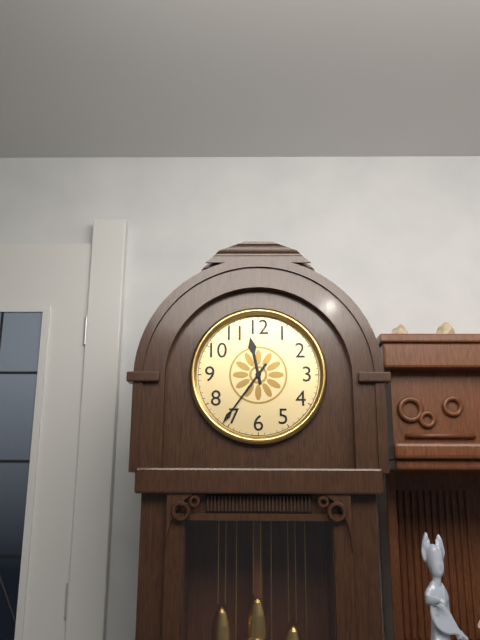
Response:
11h36
